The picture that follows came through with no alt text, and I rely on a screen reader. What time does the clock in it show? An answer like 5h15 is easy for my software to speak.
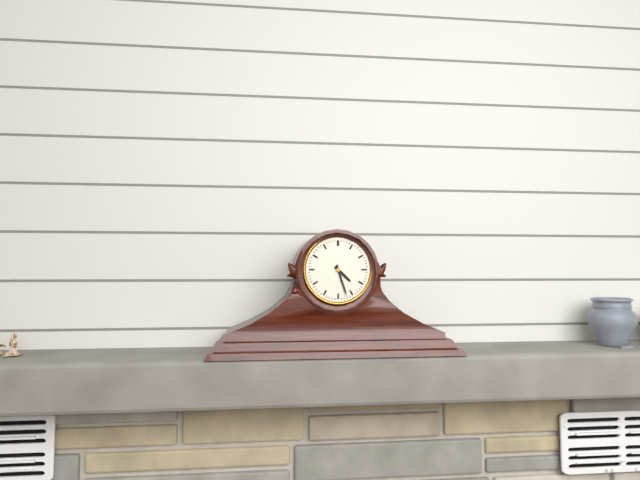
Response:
4h27
